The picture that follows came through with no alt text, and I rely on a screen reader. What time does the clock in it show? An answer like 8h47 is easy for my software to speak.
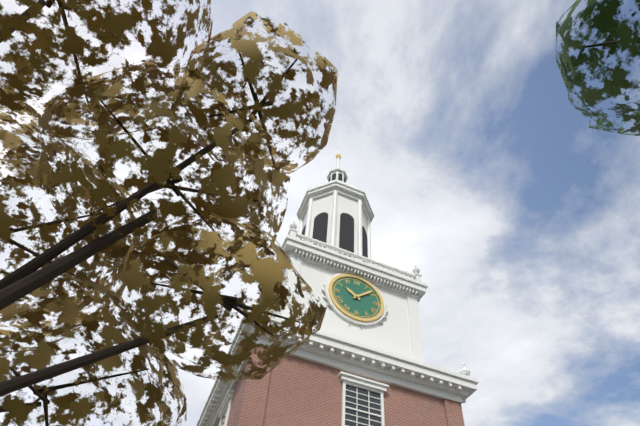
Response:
10h08
